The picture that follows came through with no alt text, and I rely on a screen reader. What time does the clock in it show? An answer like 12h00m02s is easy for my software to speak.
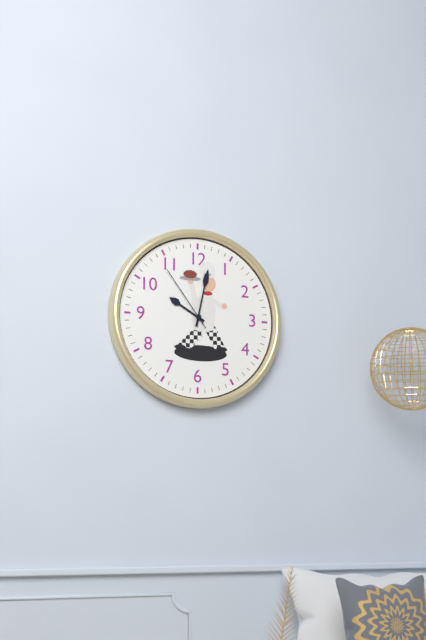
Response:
10h02m54s
